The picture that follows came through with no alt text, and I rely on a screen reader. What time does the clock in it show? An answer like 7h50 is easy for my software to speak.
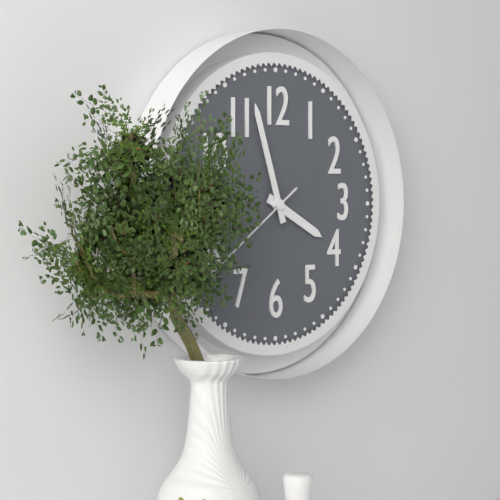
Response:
3h57
